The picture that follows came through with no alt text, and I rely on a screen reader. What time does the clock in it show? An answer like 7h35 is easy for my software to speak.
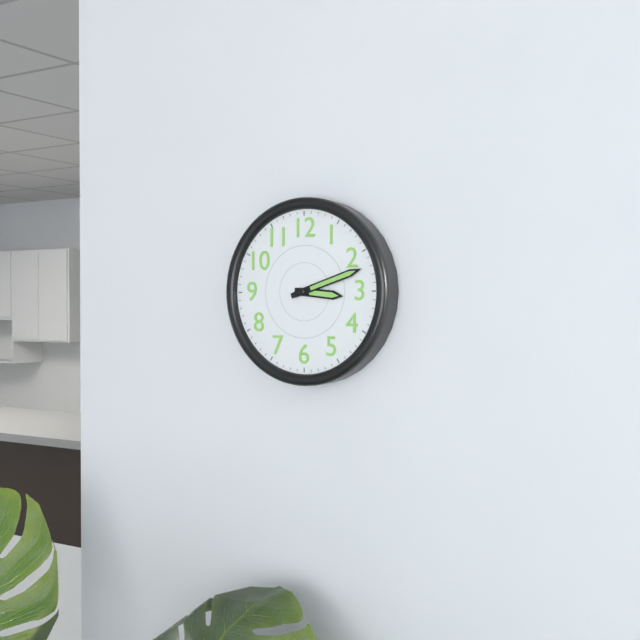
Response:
3h12
